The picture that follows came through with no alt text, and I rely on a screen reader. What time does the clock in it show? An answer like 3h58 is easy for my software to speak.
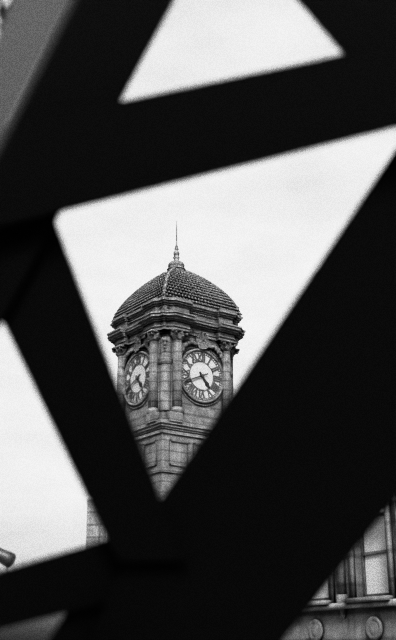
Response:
4h41
